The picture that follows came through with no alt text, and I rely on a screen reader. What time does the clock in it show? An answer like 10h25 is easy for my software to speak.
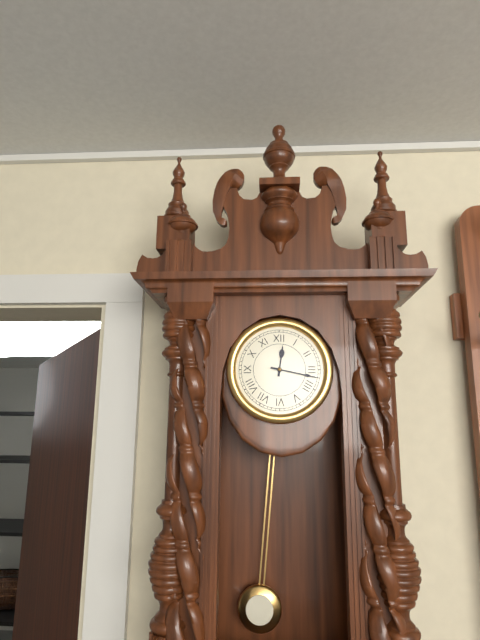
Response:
12h17
